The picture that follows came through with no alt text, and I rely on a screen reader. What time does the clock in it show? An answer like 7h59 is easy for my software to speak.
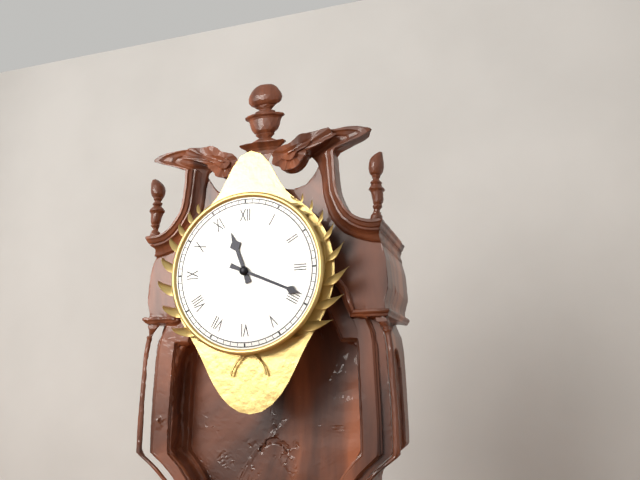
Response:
11h19
